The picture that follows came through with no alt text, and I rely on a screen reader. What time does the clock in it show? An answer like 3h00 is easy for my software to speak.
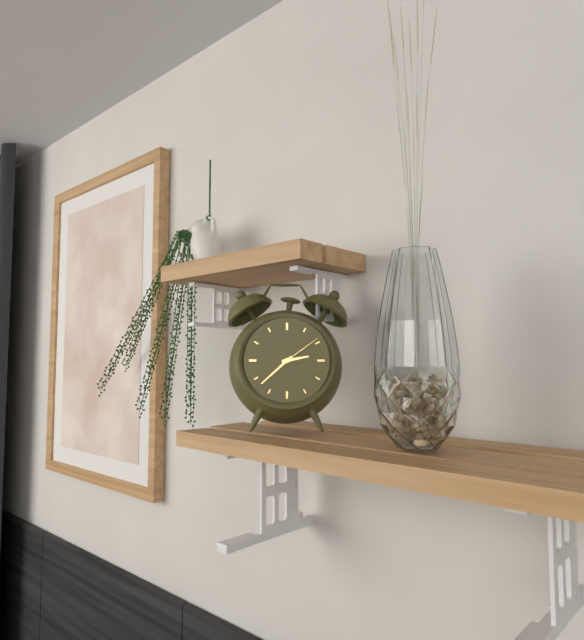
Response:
2h38
